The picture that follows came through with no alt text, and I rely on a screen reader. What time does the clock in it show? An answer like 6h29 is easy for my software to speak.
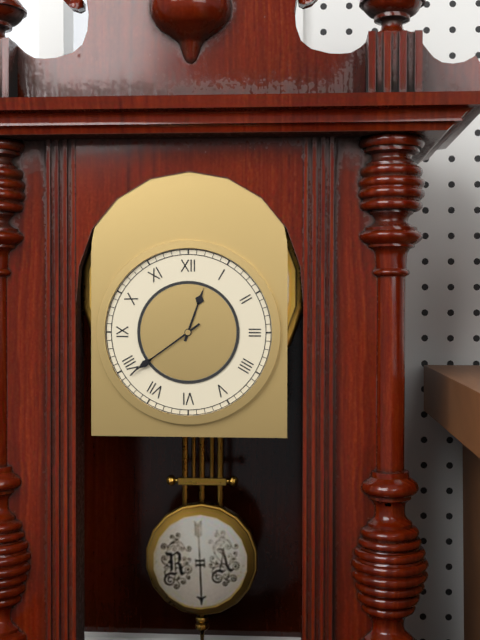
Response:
12h39
